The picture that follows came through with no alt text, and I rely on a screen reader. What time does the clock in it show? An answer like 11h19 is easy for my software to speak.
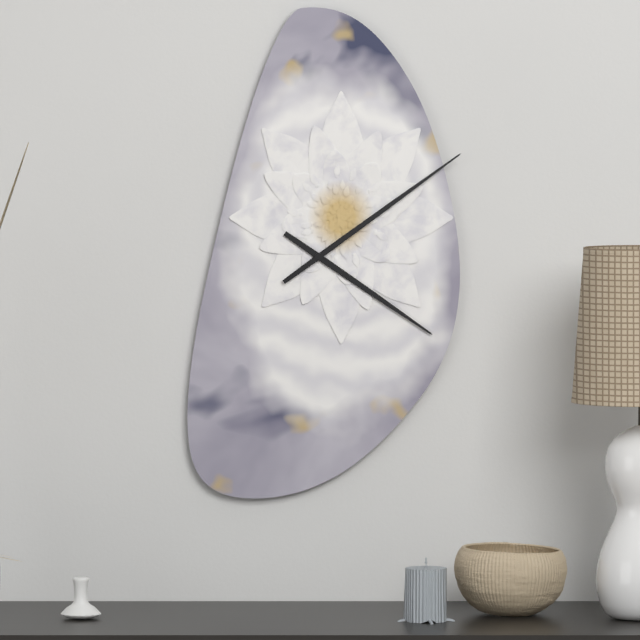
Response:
4h09
